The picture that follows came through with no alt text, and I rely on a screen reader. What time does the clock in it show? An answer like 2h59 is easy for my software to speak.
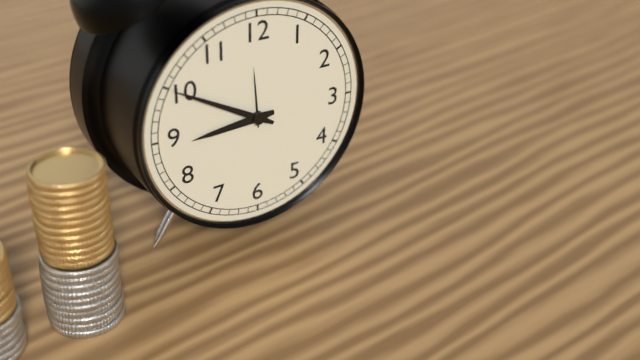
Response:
8h50
